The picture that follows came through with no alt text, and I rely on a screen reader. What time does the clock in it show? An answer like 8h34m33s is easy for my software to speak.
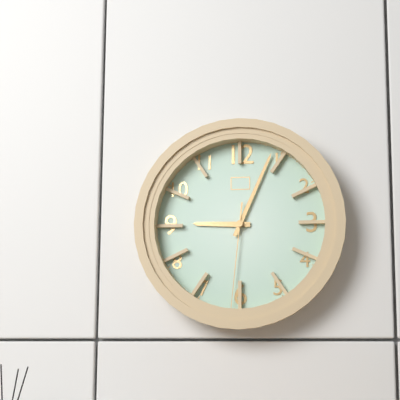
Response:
9h04m31s
